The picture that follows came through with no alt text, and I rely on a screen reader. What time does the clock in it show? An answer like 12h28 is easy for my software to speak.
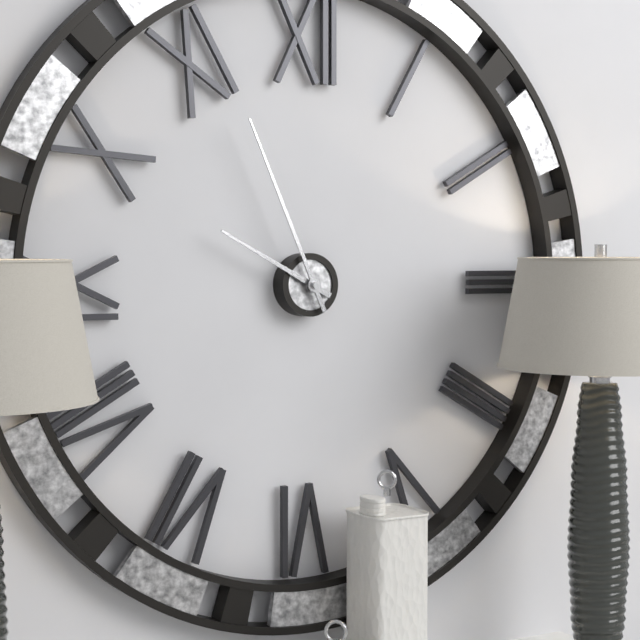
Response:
9h56
